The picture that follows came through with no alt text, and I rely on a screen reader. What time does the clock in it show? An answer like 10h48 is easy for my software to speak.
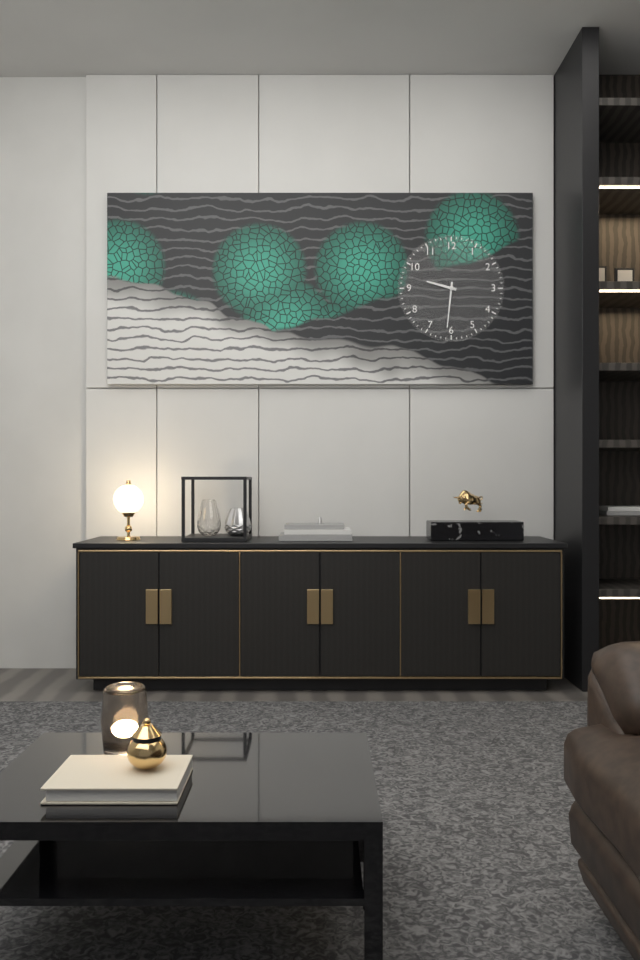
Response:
9h31
